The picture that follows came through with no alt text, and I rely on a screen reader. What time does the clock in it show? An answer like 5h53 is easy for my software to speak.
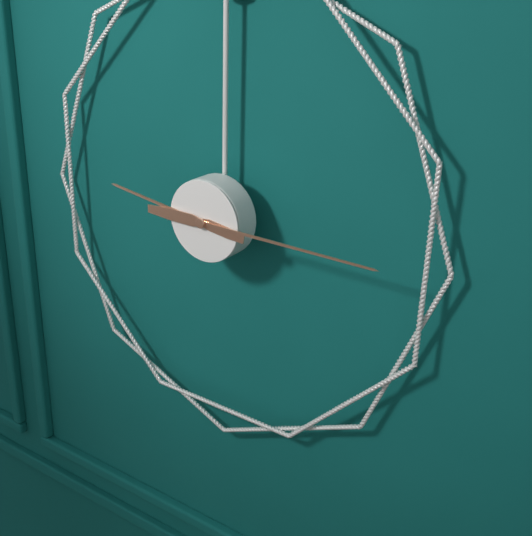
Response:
9h15
